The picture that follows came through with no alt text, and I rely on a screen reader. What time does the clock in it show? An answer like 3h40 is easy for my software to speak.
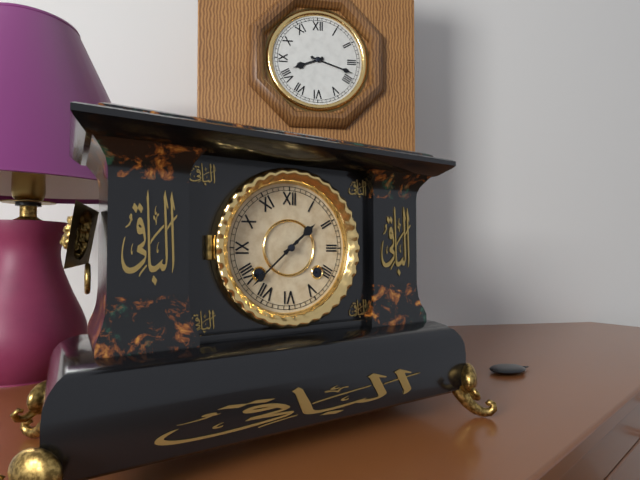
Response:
1h38
